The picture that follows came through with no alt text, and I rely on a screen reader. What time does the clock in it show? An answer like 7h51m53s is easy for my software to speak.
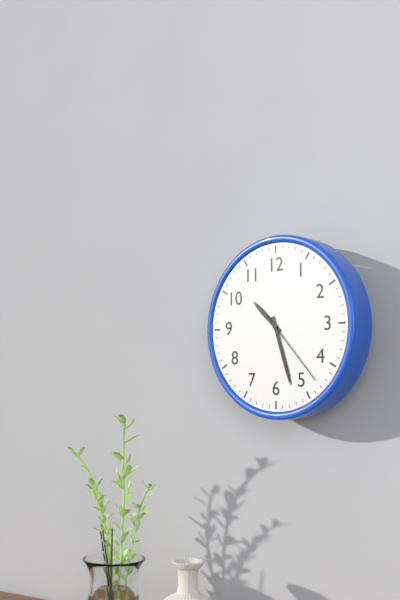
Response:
10h27m23s
